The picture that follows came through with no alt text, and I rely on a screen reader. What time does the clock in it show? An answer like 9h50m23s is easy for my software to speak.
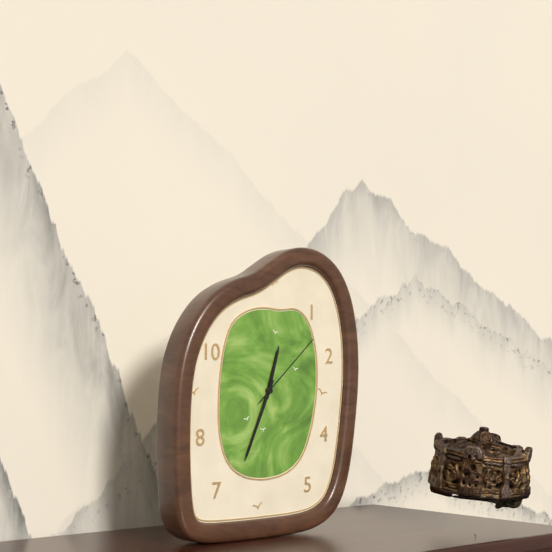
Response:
12h34m08s
